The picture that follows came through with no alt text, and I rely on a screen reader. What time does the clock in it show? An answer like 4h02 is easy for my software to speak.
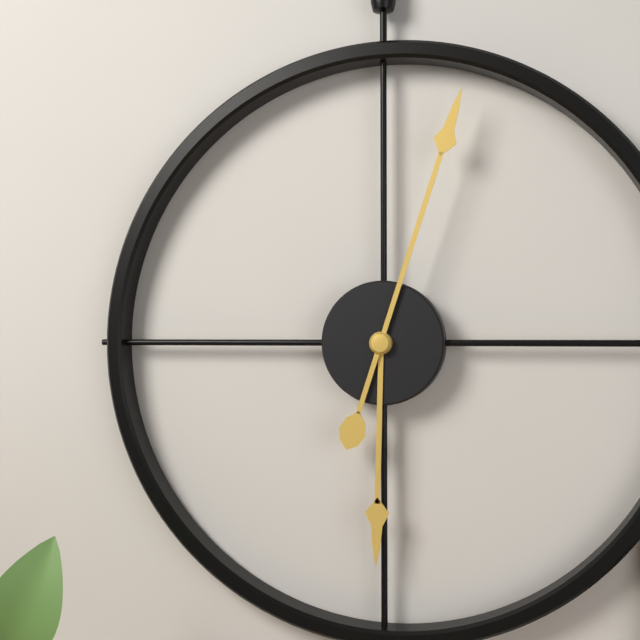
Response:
6h03
